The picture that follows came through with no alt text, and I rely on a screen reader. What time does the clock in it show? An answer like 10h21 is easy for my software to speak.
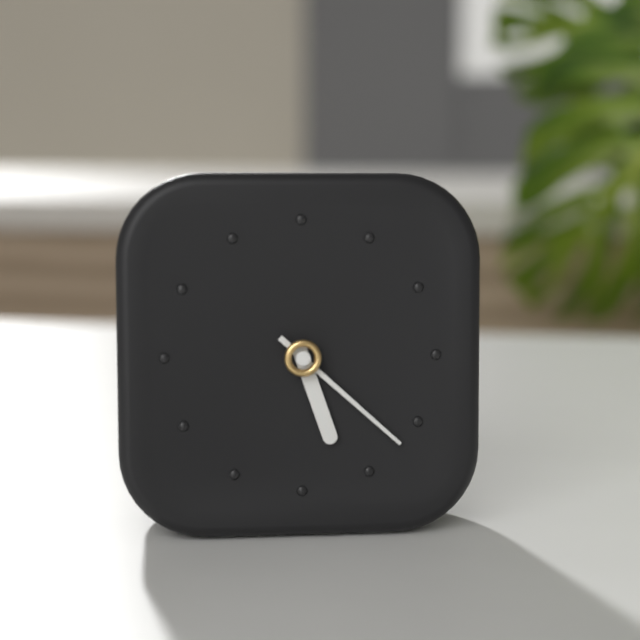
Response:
5h22
